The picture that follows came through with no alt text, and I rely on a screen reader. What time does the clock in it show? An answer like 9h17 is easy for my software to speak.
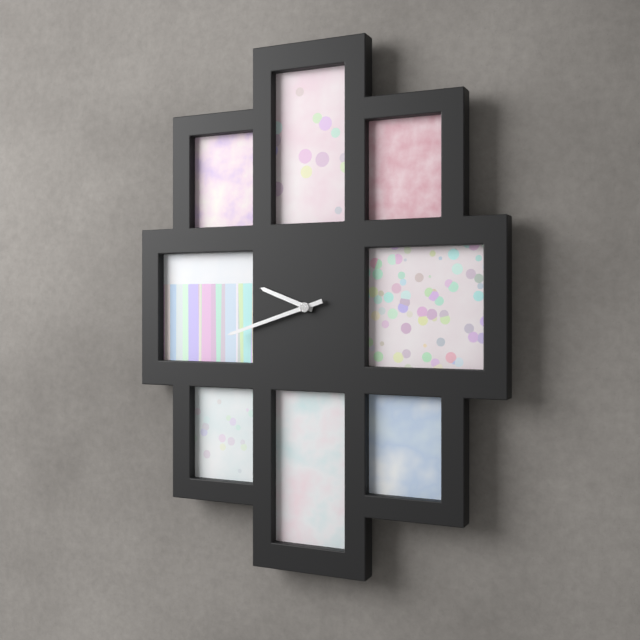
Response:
9h42
